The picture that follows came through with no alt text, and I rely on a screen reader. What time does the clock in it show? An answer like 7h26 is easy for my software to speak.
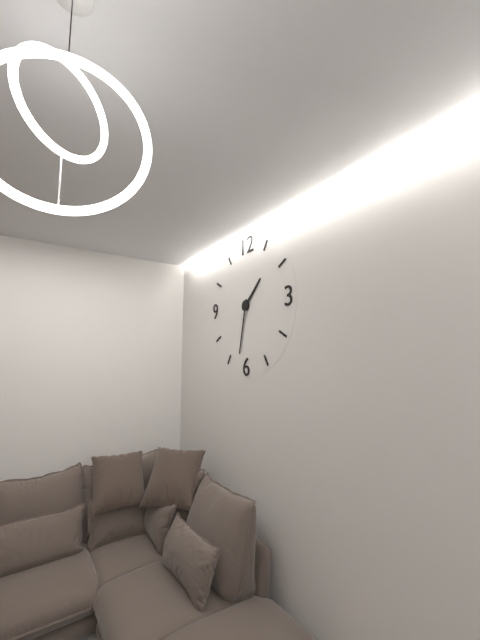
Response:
1h32
